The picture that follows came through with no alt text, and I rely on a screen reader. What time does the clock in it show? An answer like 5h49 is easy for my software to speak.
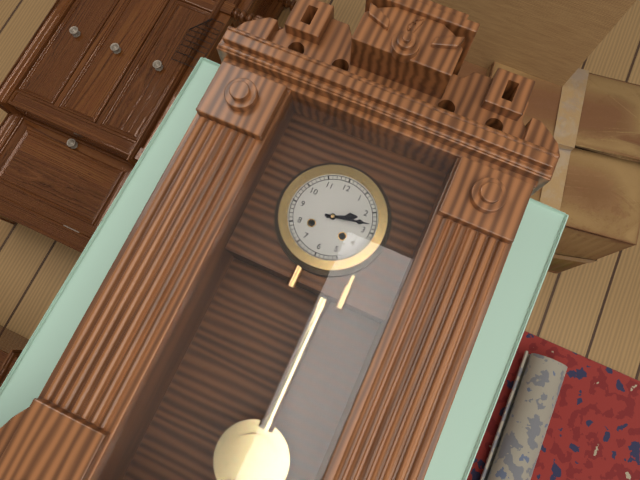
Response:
2h13
